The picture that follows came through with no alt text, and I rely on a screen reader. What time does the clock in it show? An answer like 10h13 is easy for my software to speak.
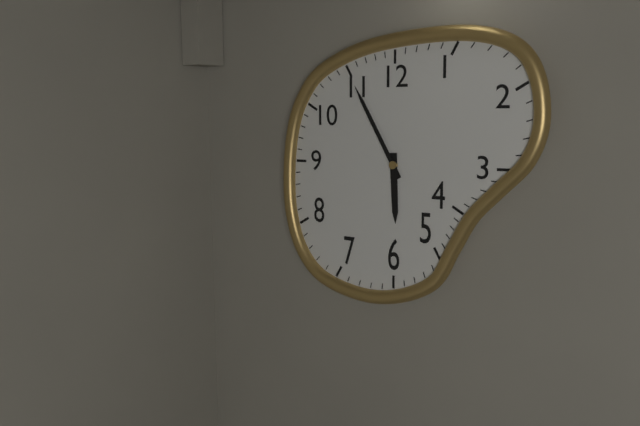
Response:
5h55
